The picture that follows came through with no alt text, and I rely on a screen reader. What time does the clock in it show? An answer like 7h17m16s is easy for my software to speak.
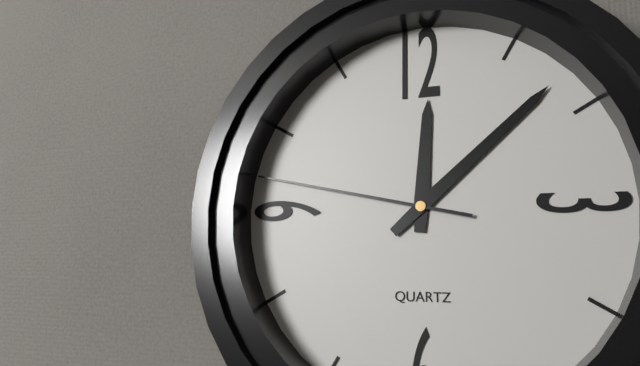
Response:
12h08m47s
